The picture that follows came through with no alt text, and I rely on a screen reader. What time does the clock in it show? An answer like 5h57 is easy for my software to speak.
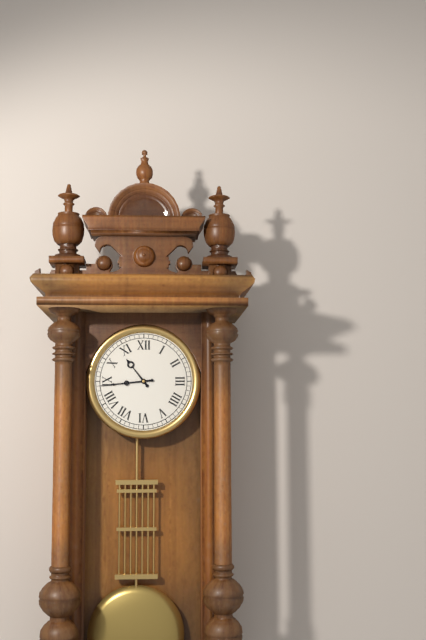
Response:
10h44
